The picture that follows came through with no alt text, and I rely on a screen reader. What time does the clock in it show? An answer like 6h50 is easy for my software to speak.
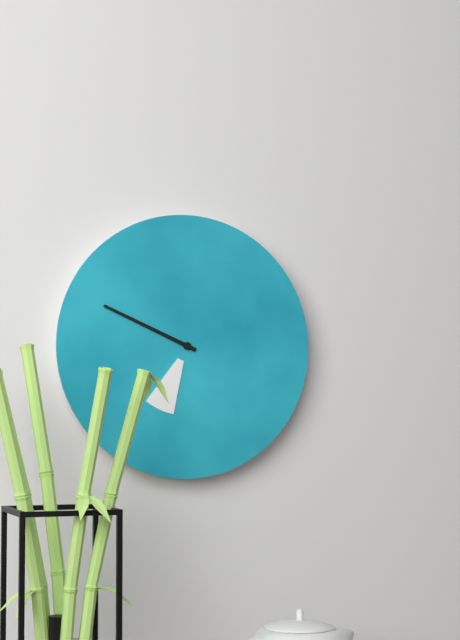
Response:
6h49
